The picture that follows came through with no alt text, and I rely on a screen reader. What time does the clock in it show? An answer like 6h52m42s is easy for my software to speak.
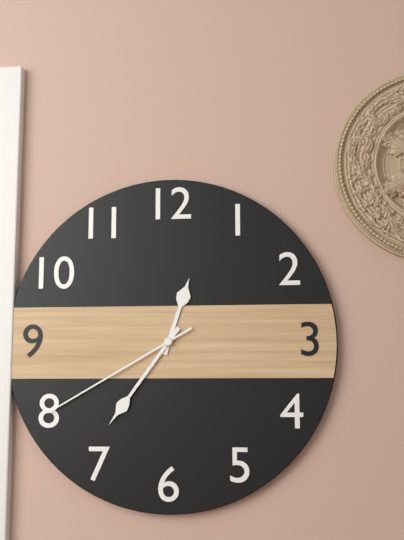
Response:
12h36m40s
